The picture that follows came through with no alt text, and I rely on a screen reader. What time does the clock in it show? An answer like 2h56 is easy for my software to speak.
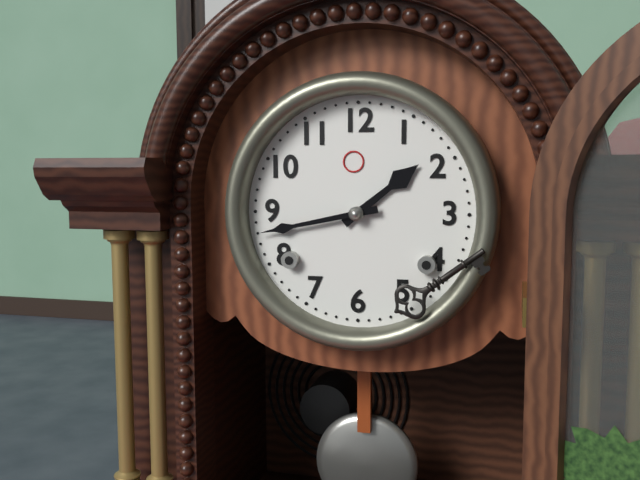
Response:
1h43
